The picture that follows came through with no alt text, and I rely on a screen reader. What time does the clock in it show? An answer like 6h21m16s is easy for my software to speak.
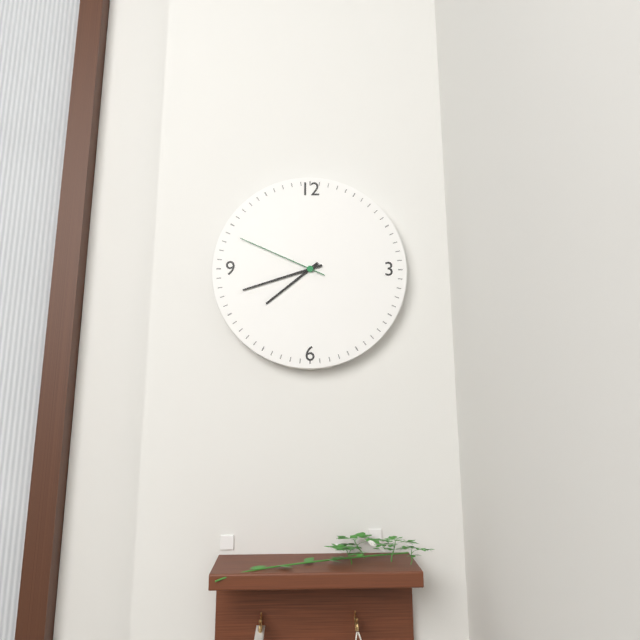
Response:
7h42m49s
